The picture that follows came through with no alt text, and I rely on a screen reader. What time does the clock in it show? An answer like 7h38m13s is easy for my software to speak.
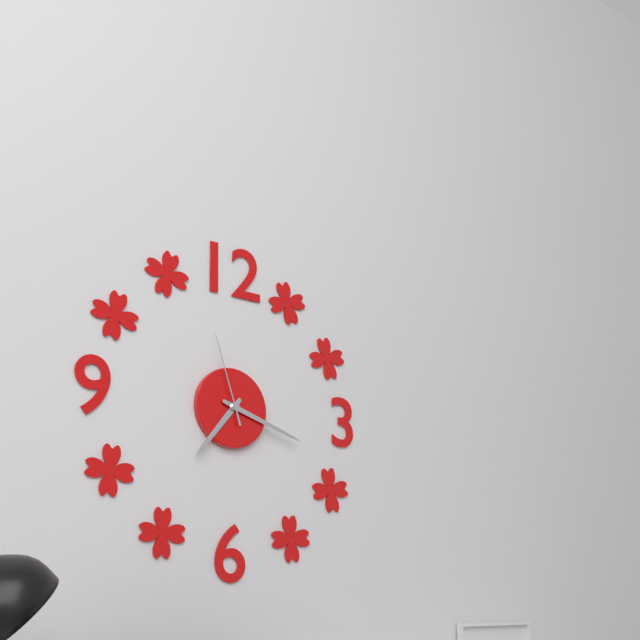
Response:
7h18m57s
